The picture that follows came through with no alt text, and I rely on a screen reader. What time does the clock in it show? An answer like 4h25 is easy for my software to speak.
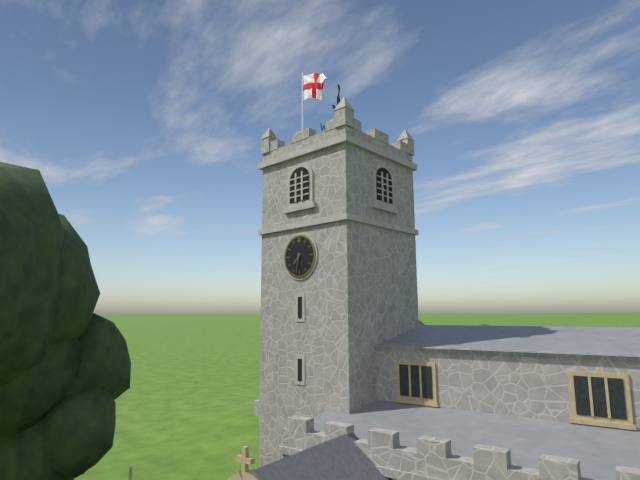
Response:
7h32
